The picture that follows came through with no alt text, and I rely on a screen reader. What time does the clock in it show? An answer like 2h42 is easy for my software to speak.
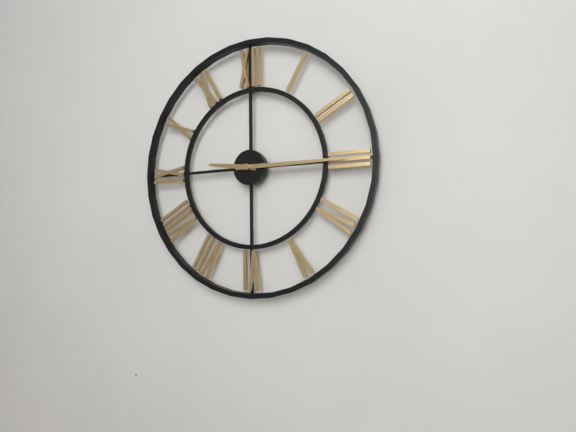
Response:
9h15
